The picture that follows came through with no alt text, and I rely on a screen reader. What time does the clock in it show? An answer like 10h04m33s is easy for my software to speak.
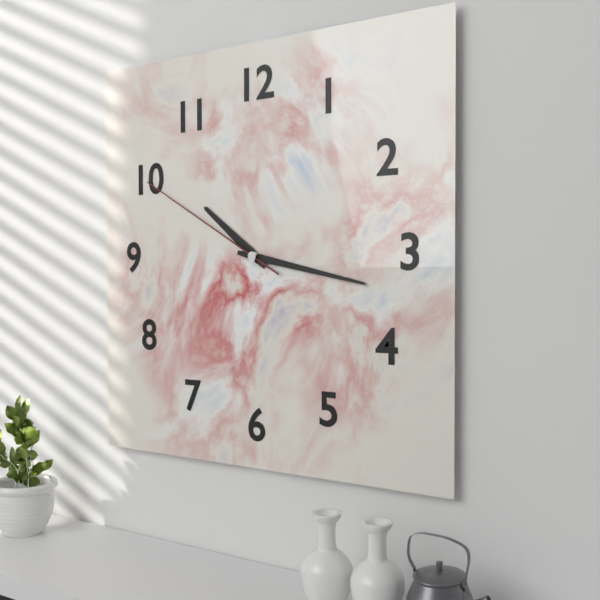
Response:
10h17m50s
